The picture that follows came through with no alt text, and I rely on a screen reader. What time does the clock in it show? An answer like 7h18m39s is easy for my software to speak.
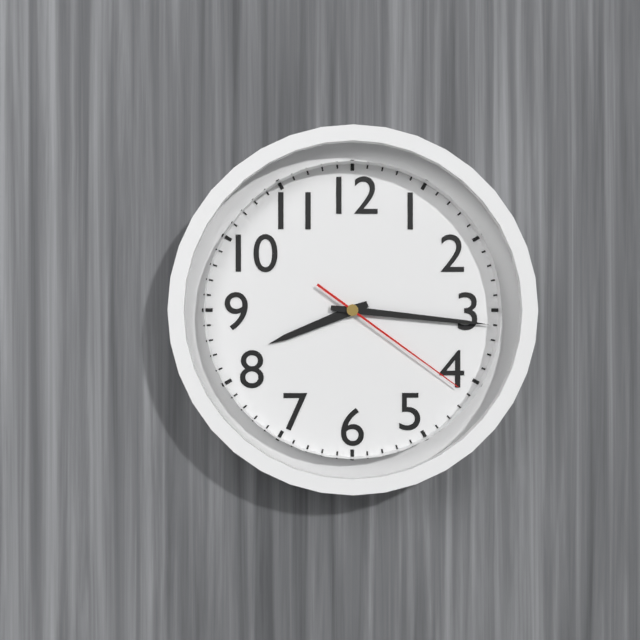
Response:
8h16m21s
